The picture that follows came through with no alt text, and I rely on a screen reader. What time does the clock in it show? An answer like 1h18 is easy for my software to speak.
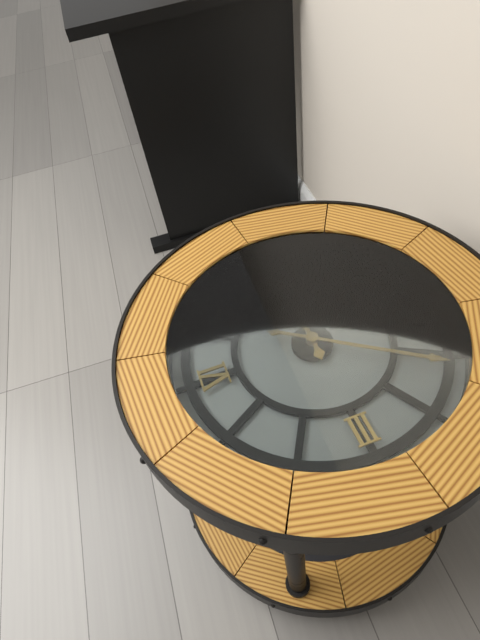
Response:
9h06
